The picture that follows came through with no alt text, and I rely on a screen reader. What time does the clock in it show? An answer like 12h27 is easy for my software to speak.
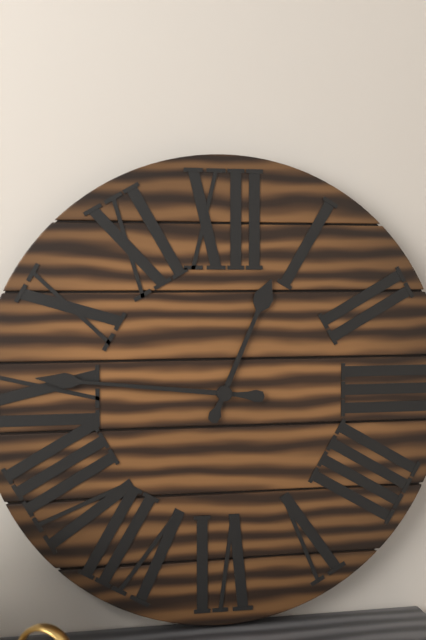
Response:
12h46
